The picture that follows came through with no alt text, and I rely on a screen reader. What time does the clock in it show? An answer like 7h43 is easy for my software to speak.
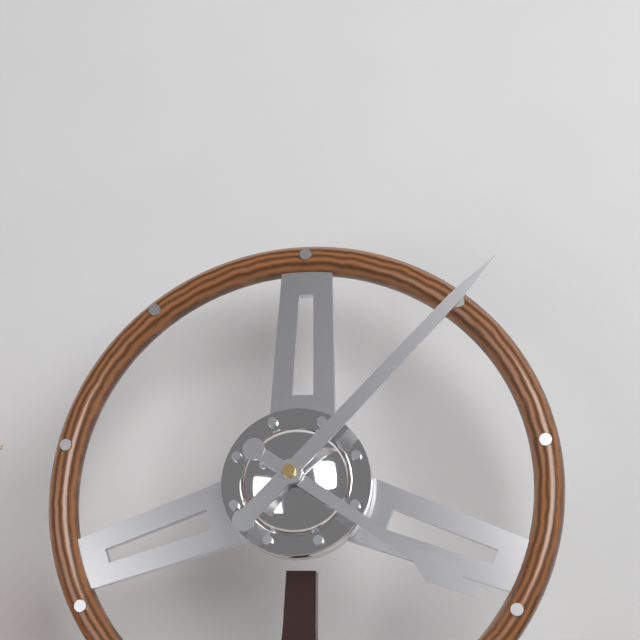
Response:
4h07
